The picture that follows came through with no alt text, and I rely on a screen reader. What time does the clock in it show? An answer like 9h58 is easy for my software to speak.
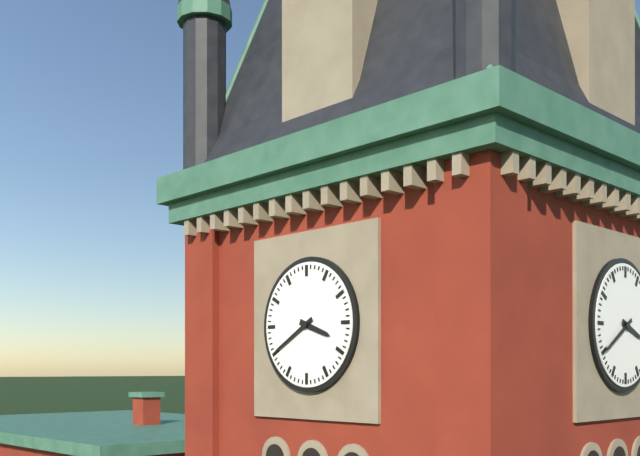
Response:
3h40
